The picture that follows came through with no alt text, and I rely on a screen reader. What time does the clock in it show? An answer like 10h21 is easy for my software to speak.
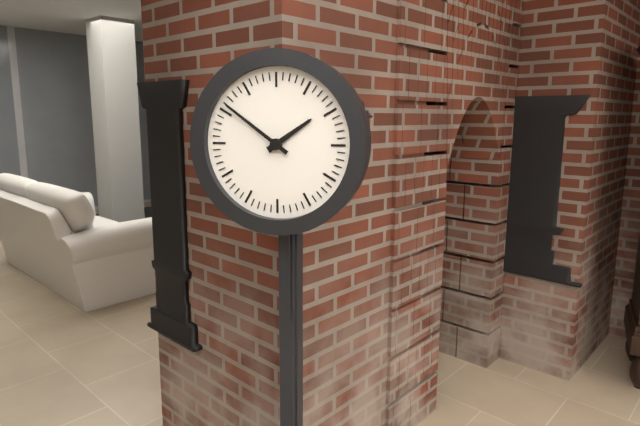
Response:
1h51
